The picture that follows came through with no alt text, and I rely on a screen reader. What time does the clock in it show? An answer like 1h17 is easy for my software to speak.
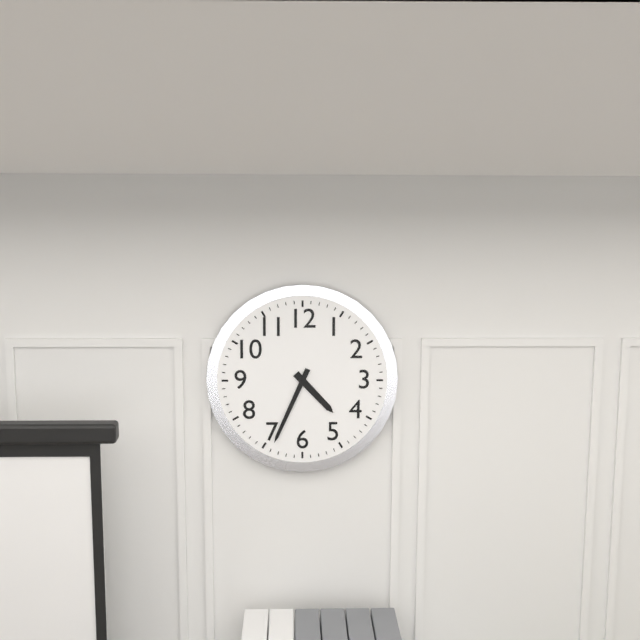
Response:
4h34
